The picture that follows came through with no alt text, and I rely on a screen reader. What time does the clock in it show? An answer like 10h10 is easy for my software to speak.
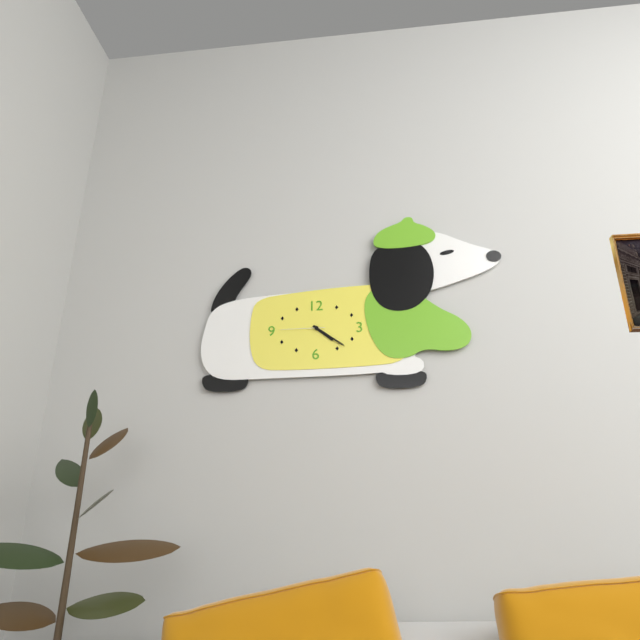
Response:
4h21
